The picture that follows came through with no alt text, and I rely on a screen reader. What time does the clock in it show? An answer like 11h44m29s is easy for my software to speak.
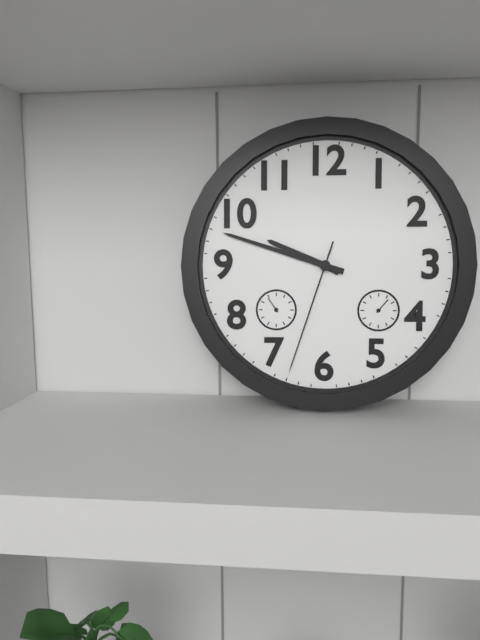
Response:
9h48m33s
